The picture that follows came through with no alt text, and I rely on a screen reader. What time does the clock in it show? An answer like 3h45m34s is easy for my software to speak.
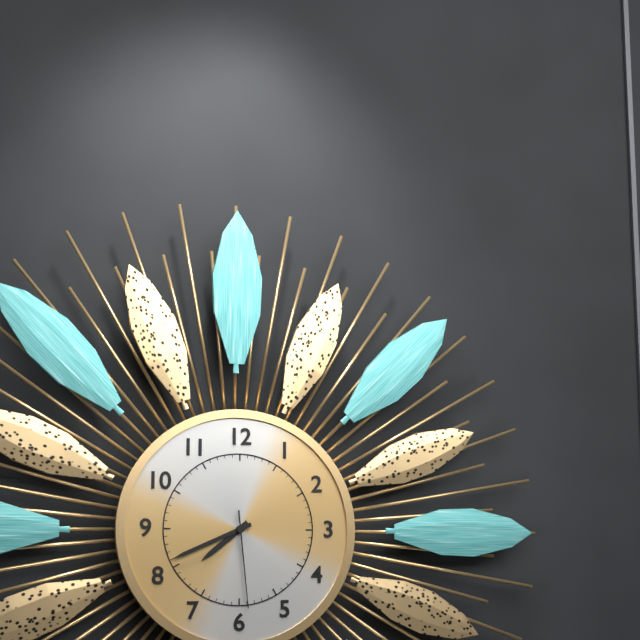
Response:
7h41m29s
